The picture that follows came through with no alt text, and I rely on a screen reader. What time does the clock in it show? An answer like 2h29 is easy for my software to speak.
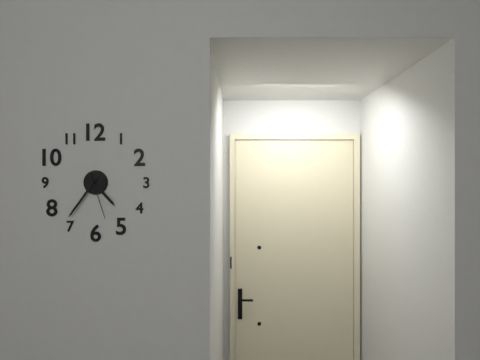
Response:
4h36
